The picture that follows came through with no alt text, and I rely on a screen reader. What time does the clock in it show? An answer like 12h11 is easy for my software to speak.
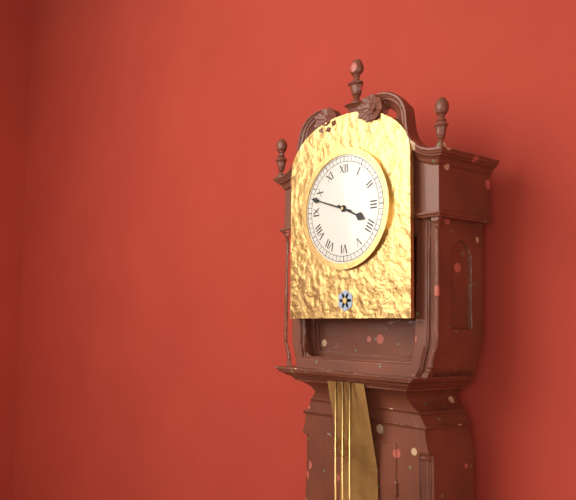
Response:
3h48
